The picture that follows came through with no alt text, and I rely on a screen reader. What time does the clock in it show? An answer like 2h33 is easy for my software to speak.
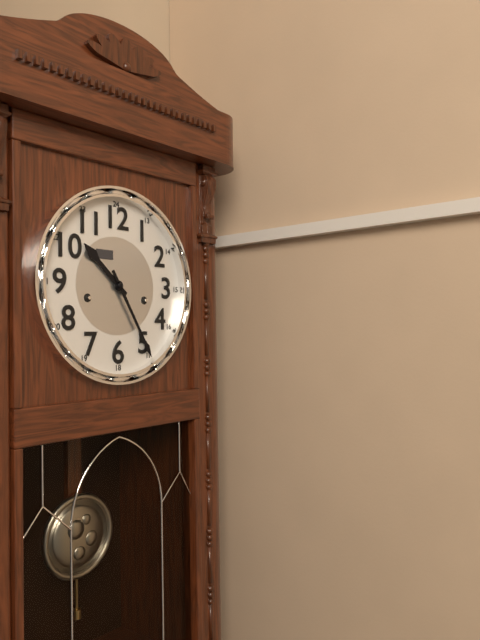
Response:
10h25
